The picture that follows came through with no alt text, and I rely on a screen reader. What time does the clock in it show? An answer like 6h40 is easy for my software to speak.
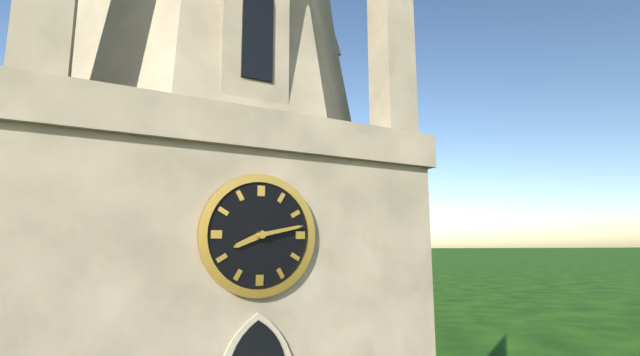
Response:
8h13
